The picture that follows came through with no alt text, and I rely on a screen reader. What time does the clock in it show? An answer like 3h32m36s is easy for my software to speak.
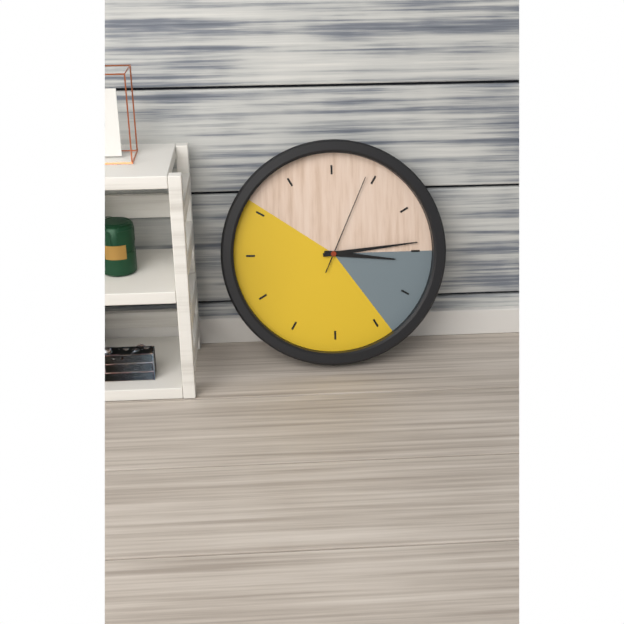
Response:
3h14m04s
